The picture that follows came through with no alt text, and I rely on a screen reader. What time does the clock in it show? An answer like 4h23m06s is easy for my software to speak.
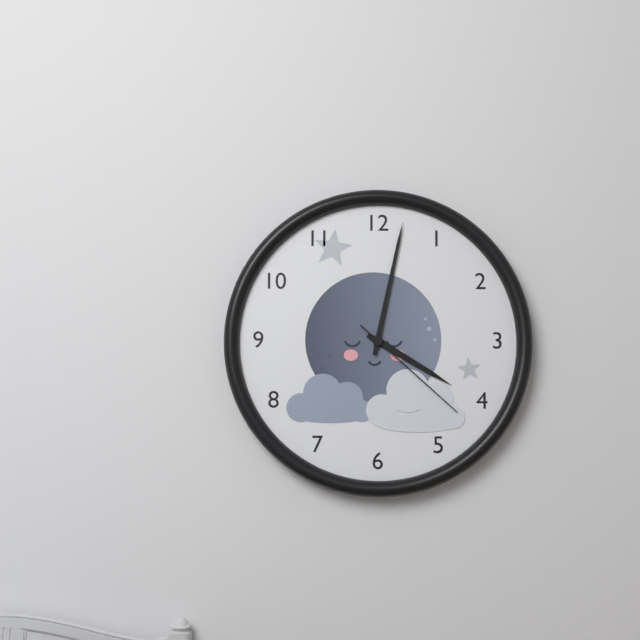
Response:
4h02m22s
